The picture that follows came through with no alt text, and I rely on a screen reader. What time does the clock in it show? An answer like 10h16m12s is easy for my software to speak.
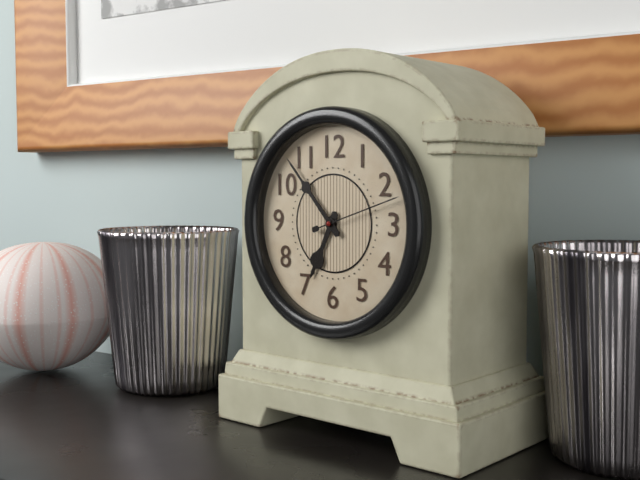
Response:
6h53m12s
